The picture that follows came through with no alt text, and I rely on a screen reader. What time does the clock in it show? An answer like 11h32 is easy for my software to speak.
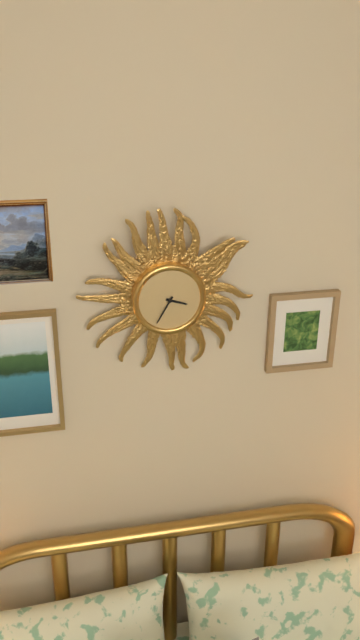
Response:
3h35
